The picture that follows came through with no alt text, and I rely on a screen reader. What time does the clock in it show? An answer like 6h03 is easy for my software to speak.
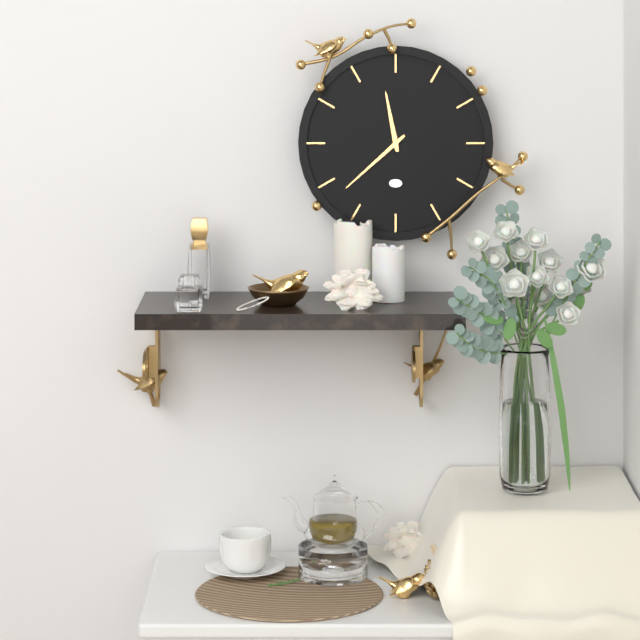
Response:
11h38
